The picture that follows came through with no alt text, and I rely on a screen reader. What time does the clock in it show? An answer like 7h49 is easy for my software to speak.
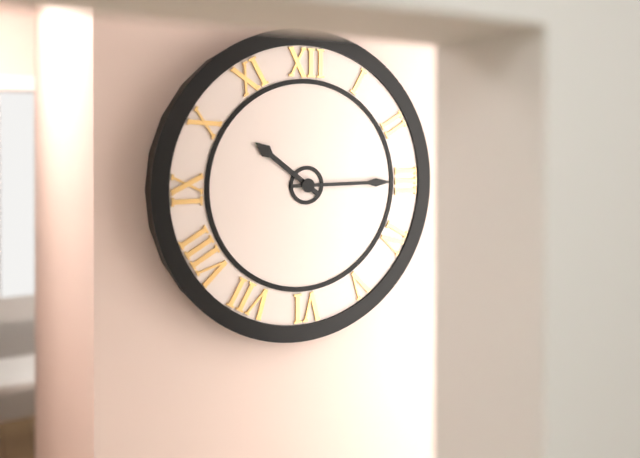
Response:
10h15
